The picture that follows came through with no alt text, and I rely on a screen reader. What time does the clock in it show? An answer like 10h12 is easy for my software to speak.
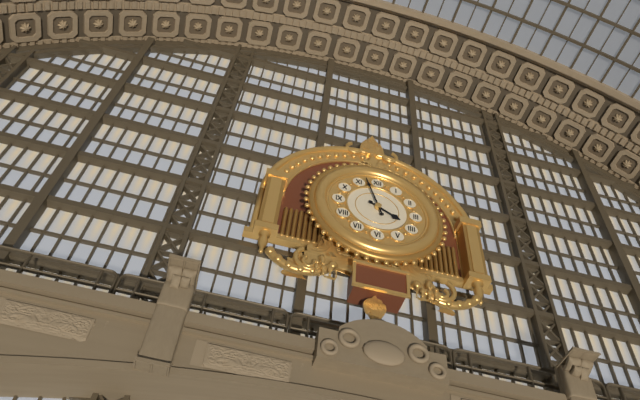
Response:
3h57
